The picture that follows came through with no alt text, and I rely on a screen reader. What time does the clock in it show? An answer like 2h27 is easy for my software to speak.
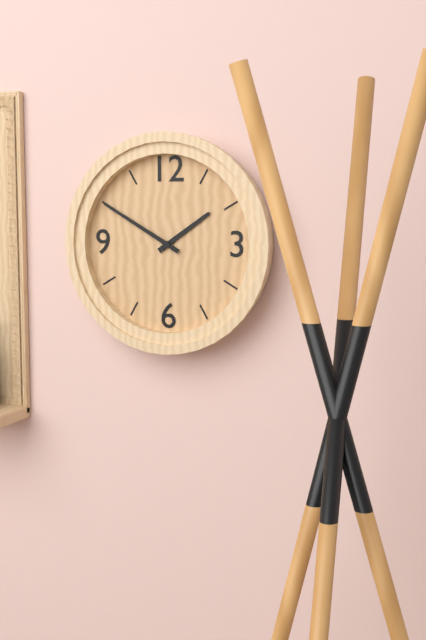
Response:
1h50
